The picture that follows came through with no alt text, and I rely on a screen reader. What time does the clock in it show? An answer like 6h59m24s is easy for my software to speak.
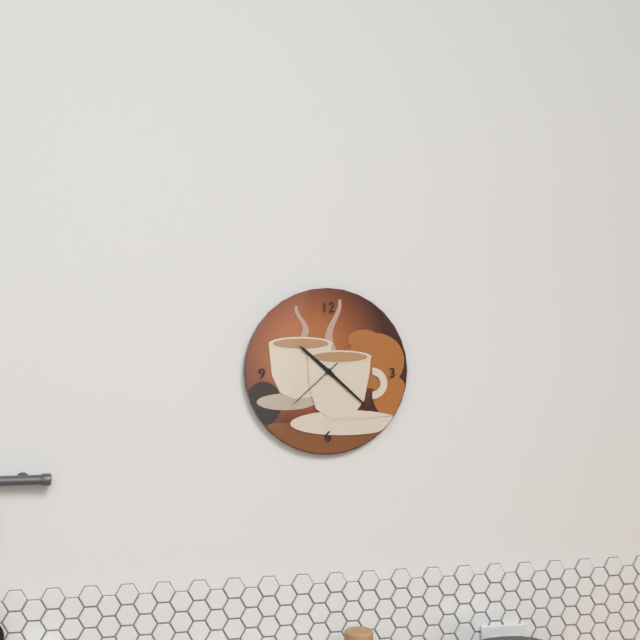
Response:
10h22m38s
